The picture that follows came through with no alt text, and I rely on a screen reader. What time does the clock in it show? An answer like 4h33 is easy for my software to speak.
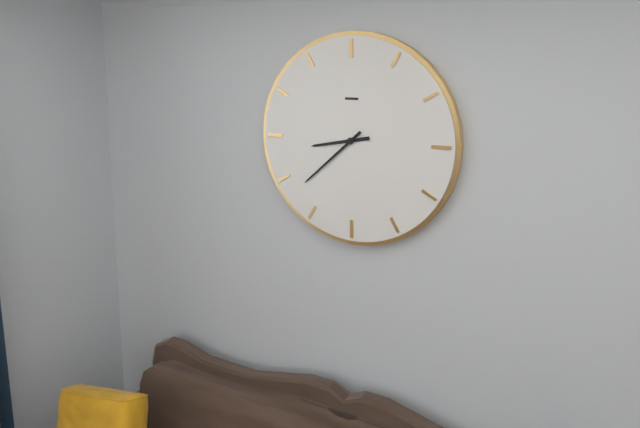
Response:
8h38
